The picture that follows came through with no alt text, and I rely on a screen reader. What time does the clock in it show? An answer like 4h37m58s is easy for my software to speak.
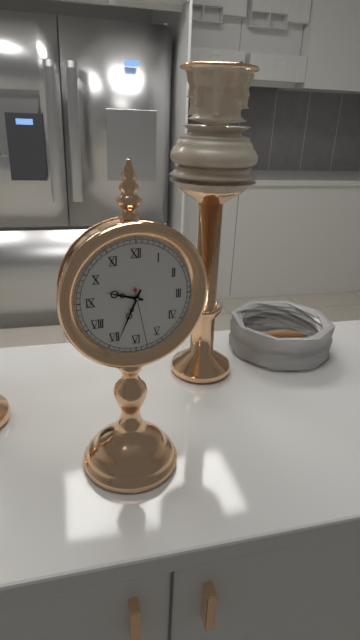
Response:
9h34m28s
